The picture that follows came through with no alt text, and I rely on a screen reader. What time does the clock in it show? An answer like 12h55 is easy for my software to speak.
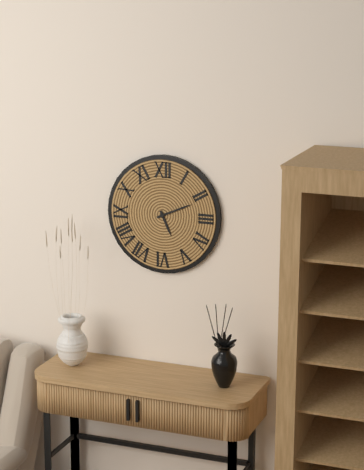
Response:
5h11
